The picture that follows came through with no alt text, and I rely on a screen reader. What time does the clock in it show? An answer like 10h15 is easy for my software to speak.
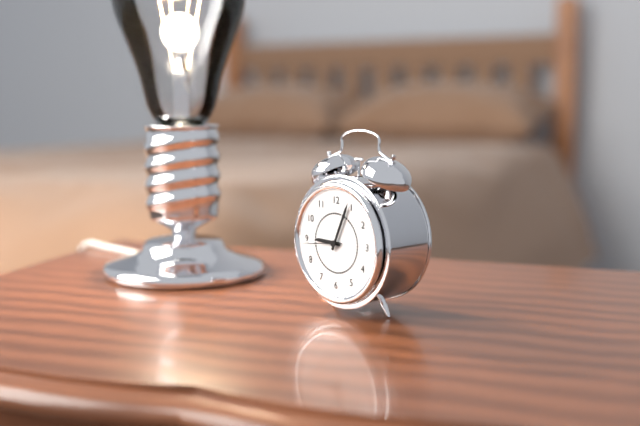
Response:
9h04
